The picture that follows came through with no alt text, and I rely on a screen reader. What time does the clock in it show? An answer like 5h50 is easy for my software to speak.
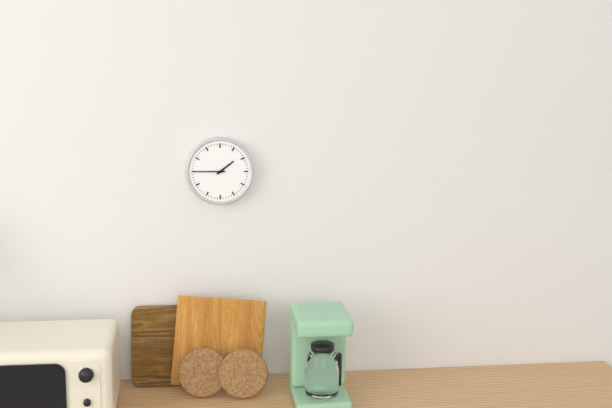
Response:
1h45
